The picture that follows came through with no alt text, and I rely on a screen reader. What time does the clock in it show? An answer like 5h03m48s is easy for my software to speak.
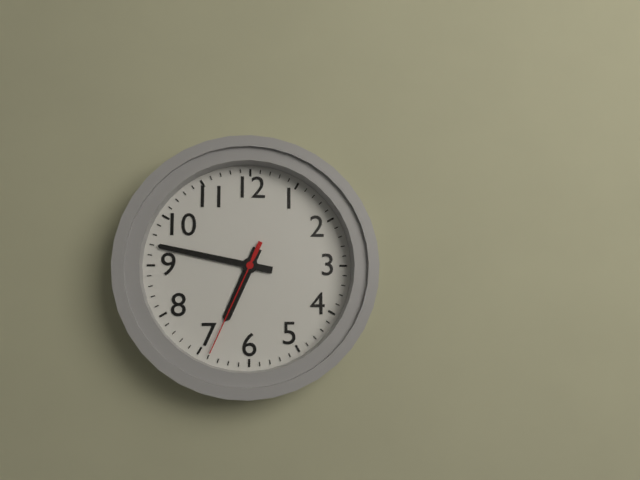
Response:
6h47m34s
